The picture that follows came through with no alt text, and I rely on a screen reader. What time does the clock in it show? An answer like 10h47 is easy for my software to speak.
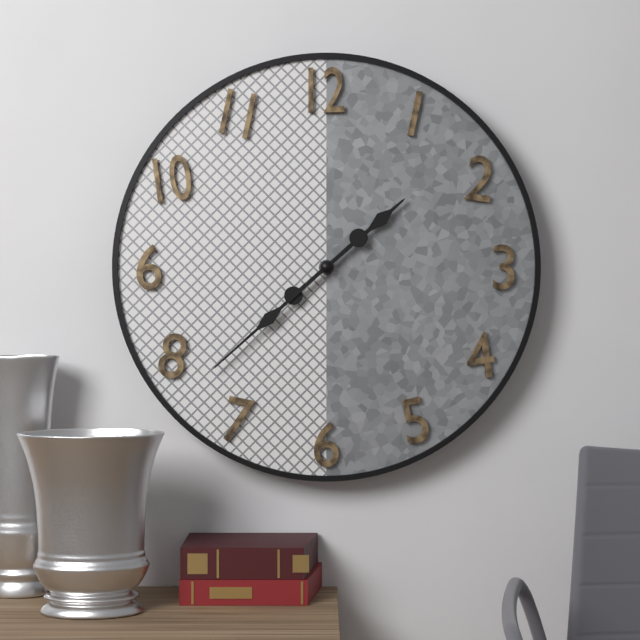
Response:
1h38
